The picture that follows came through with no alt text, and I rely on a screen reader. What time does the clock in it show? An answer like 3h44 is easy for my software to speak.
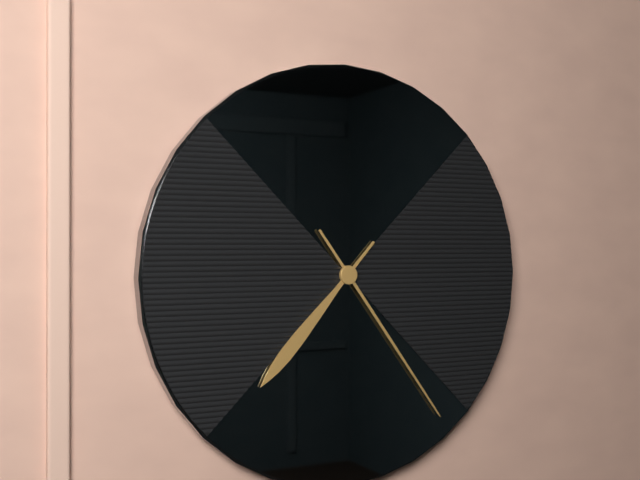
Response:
7h24
